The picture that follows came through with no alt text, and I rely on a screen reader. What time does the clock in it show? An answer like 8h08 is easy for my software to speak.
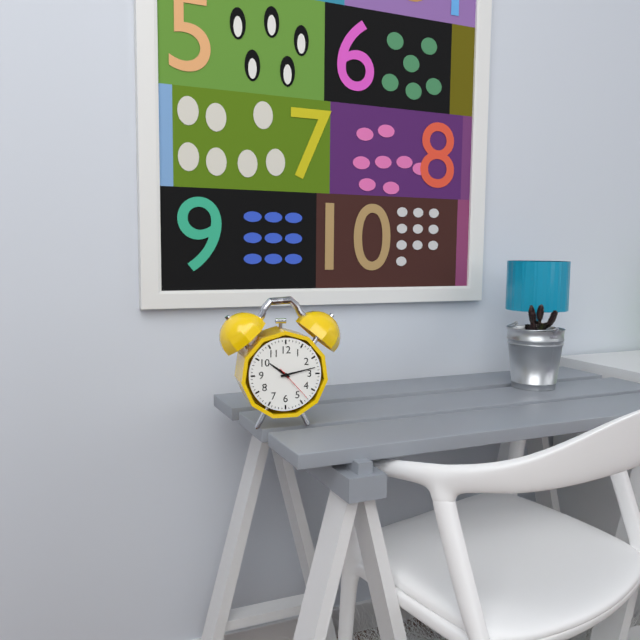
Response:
10h13
